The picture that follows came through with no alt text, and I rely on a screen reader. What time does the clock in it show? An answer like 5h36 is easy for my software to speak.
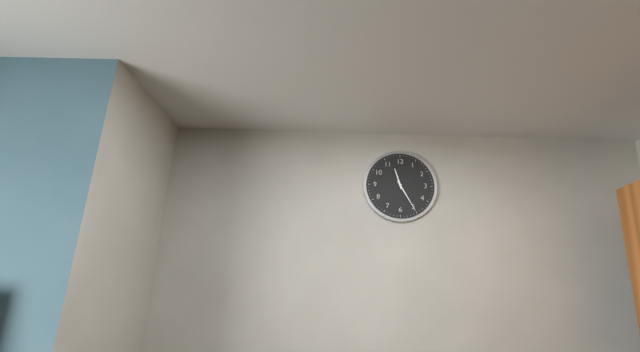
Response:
11h25
